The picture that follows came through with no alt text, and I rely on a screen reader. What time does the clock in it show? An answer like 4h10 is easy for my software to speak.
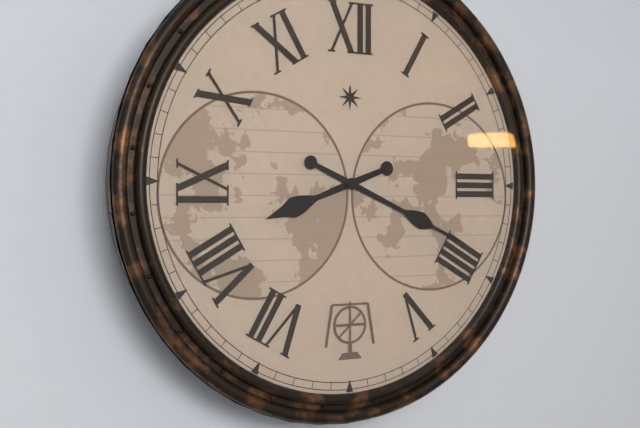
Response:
8h19
